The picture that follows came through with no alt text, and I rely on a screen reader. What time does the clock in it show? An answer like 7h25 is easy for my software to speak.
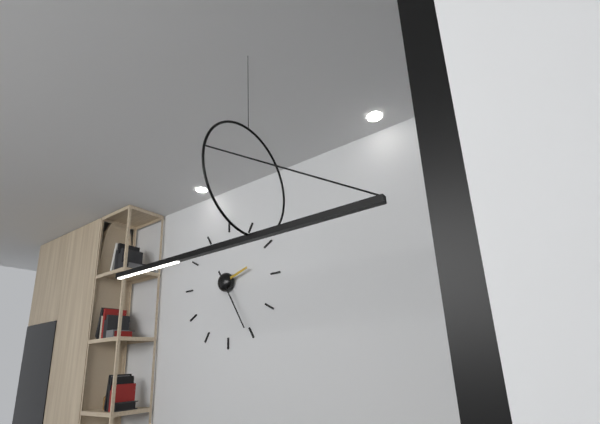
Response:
2h25
